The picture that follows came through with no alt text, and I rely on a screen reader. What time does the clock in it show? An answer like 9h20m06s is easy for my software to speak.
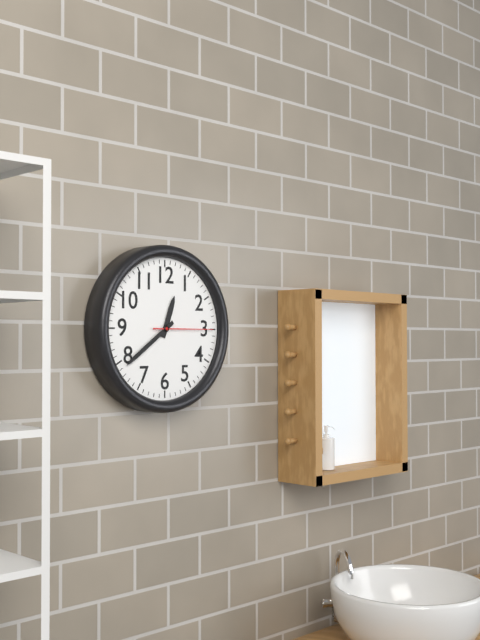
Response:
12h39m15s
